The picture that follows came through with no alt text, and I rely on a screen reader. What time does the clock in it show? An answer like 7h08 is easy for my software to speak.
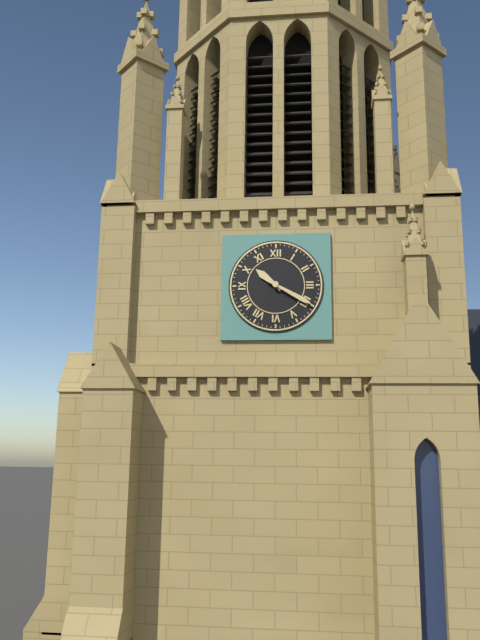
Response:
10h20
